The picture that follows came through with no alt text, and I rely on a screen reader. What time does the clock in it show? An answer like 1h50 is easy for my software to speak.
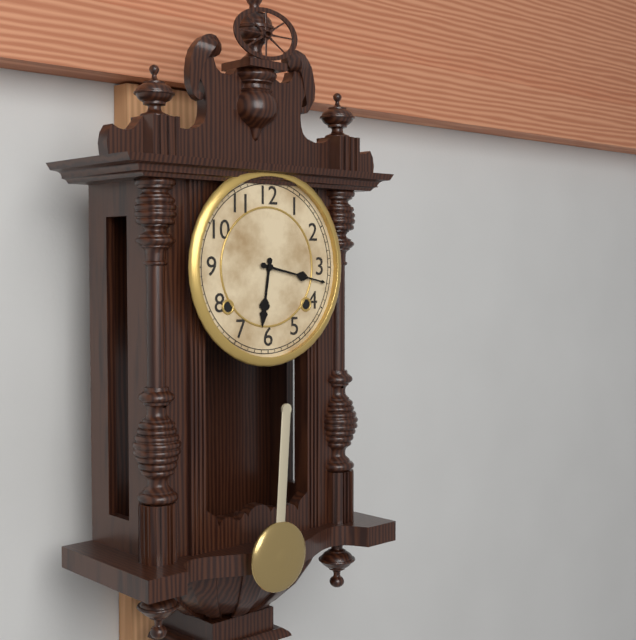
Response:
6h17
